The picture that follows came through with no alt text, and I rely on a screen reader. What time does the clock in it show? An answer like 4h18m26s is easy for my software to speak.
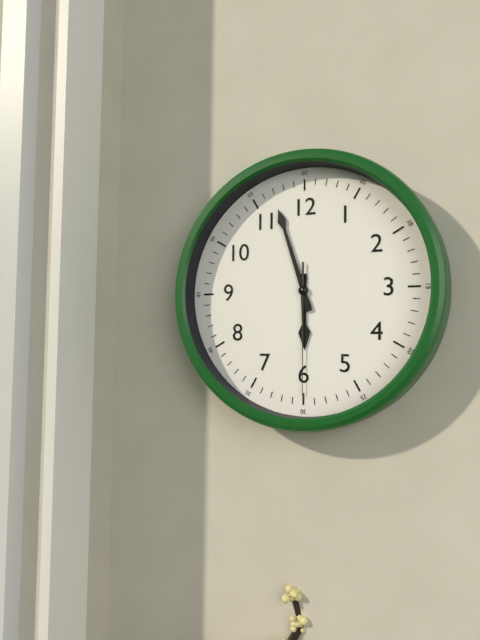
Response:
5h57m30s
